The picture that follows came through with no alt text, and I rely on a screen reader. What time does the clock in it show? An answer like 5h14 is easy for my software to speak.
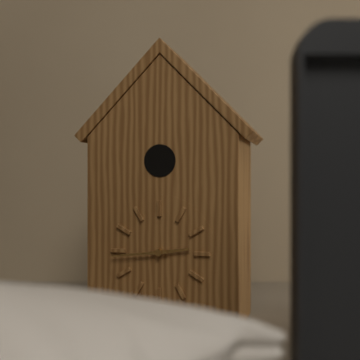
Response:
2h44
